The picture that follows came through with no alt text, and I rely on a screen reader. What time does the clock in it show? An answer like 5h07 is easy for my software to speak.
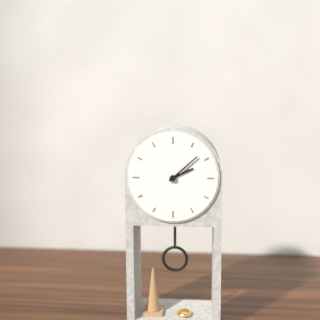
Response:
2h08
